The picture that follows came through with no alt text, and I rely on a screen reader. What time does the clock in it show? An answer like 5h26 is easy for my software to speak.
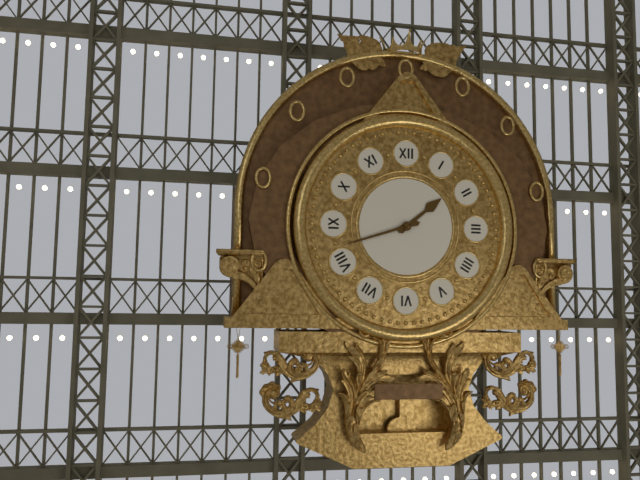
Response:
1h42
